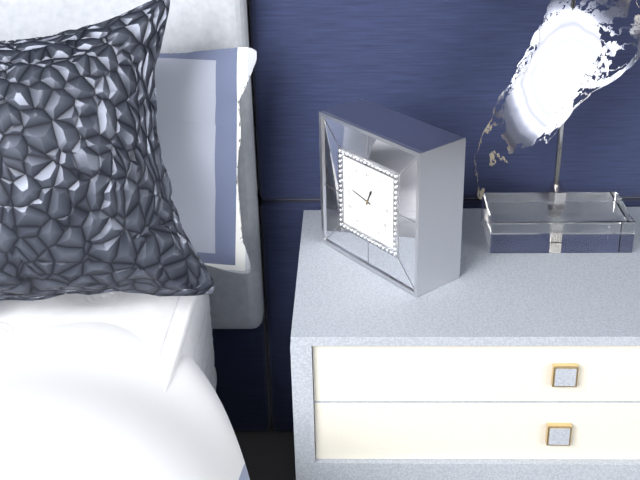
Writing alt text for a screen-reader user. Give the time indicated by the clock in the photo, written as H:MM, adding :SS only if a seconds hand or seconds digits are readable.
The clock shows 12:47
